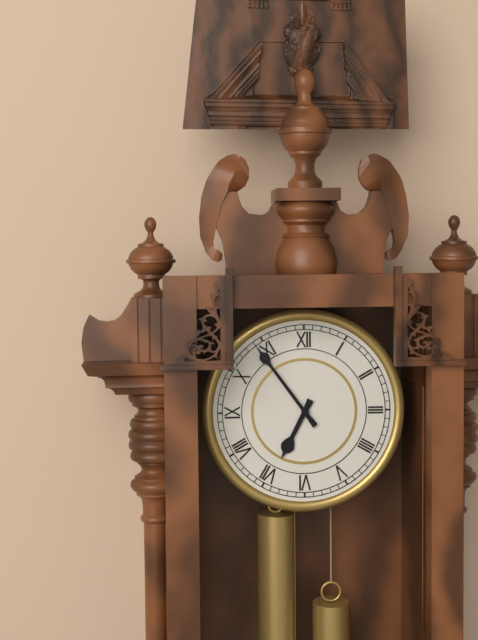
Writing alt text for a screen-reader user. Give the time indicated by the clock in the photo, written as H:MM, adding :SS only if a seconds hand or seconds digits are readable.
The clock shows 6:54
